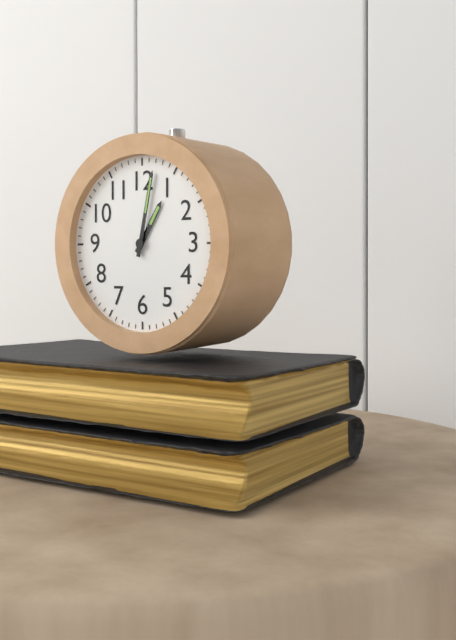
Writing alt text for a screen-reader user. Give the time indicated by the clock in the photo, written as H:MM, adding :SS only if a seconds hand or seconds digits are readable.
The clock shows 1:02
